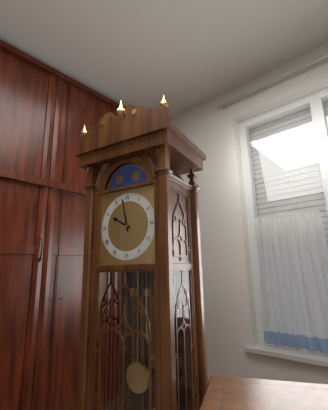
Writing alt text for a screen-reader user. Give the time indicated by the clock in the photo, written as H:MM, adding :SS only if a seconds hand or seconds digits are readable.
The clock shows 9:58
